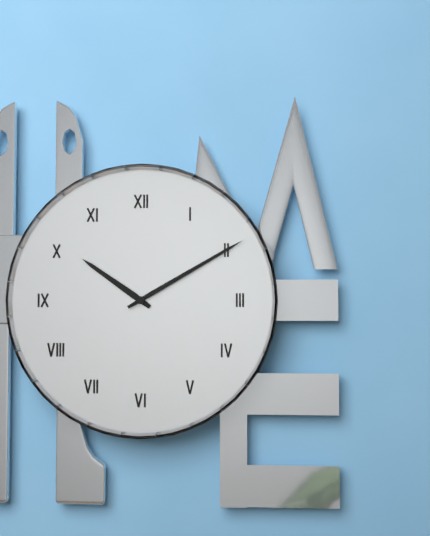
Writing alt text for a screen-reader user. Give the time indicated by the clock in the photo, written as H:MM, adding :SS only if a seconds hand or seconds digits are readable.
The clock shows 10:10
